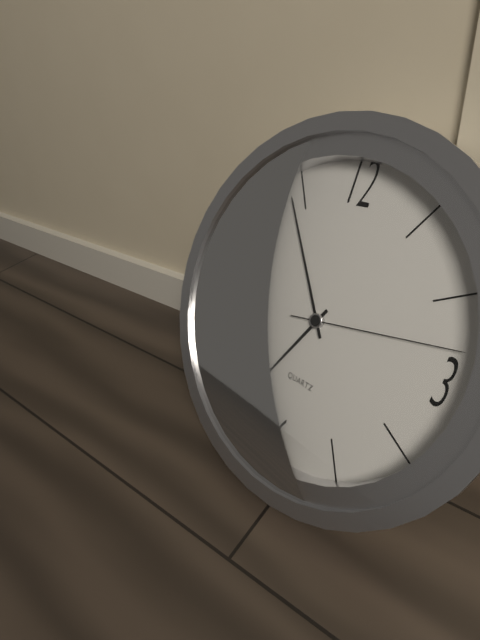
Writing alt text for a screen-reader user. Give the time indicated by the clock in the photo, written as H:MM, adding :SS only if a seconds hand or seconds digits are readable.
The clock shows 6:54:13
